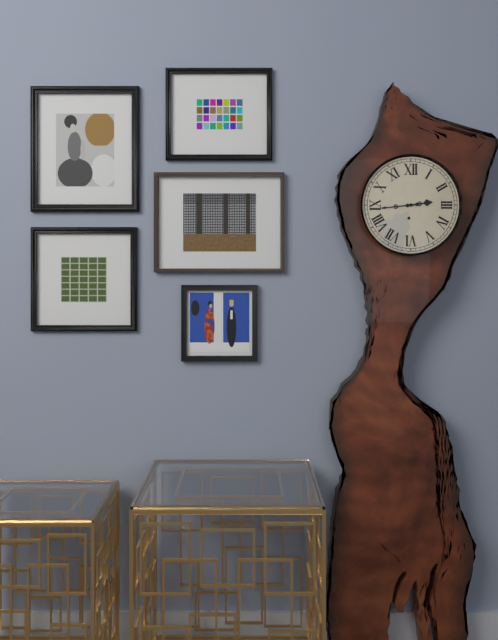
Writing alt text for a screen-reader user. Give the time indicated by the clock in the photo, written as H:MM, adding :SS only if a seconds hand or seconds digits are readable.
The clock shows 2:44
